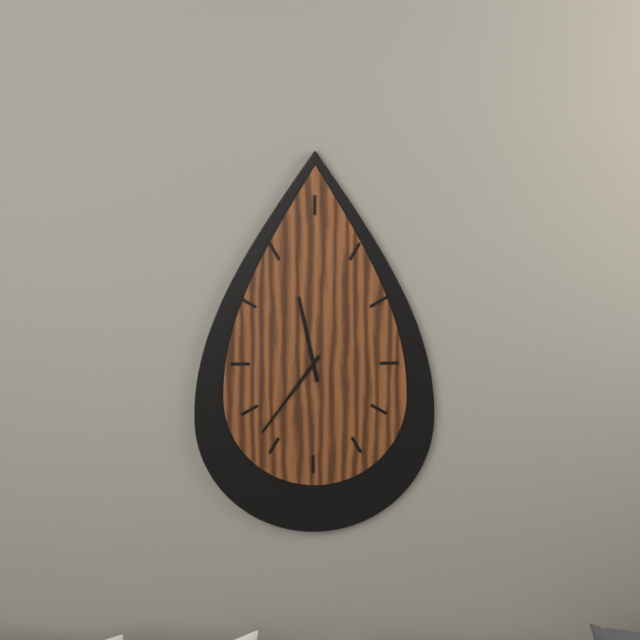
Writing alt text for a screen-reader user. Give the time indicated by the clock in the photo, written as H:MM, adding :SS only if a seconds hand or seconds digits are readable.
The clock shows 11:36
